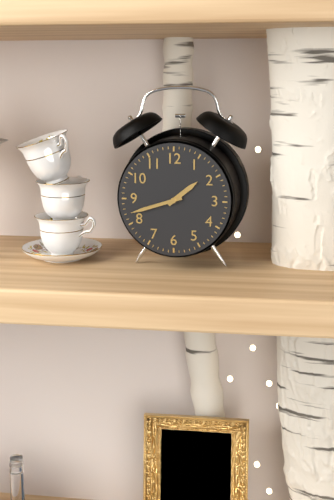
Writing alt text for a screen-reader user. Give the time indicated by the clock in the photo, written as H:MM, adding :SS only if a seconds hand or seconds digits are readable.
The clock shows 1:42
